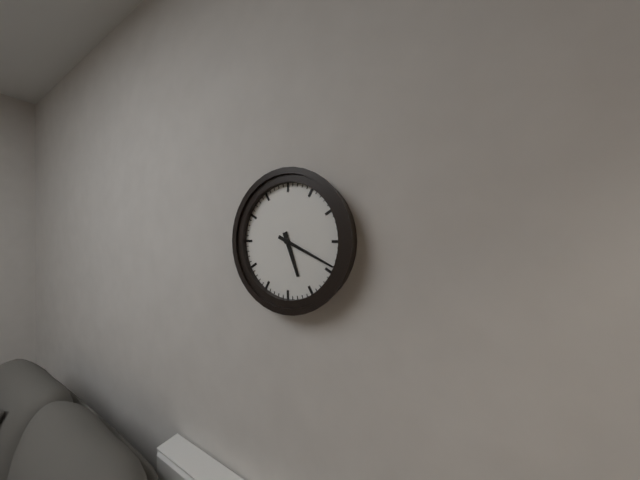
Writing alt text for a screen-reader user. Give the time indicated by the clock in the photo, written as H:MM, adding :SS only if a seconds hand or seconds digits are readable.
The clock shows 5:19
